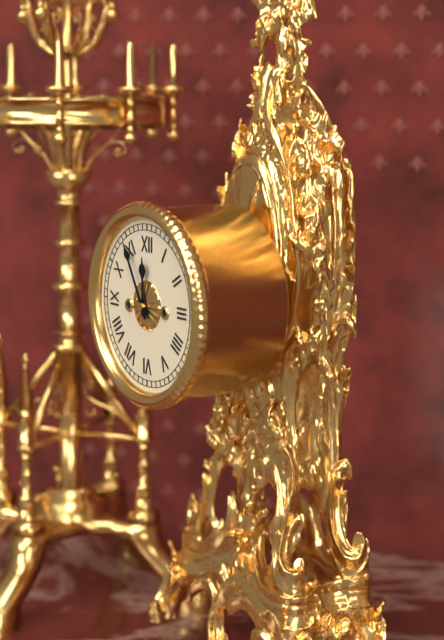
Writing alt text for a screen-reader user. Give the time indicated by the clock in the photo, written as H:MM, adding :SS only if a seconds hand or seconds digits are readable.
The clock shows 11:55
